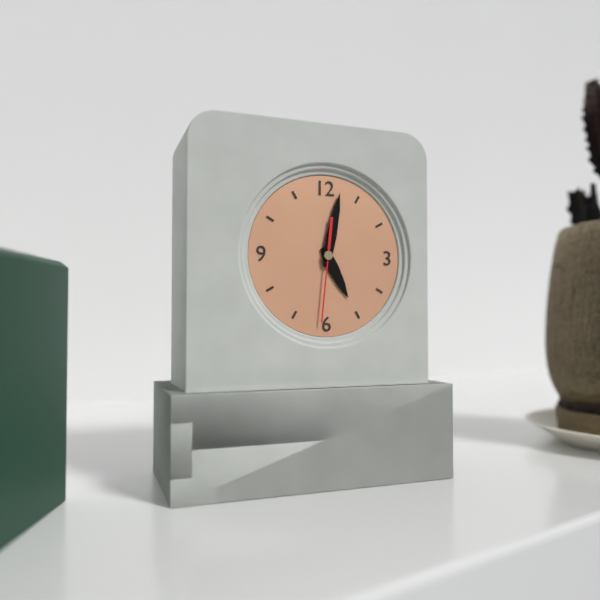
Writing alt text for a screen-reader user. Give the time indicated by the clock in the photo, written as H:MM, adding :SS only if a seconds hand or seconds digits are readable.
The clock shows 5:02:31
